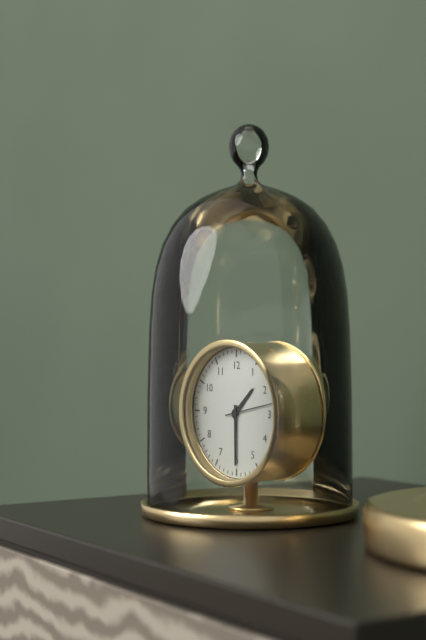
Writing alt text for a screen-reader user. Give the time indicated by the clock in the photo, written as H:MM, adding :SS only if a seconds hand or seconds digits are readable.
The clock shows 1:30
